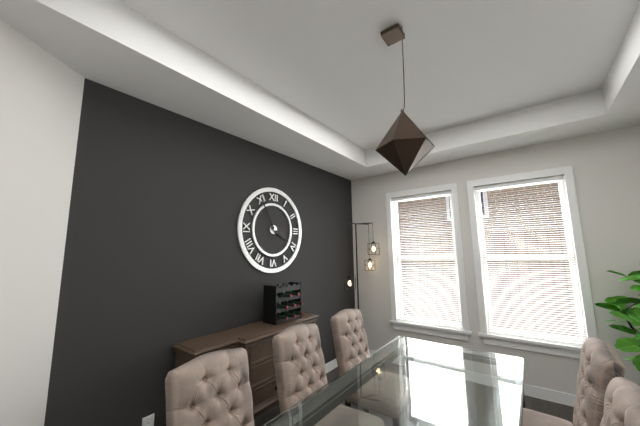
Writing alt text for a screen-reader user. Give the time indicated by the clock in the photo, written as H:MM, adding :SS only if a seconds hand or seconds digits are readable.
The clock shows 3:55
